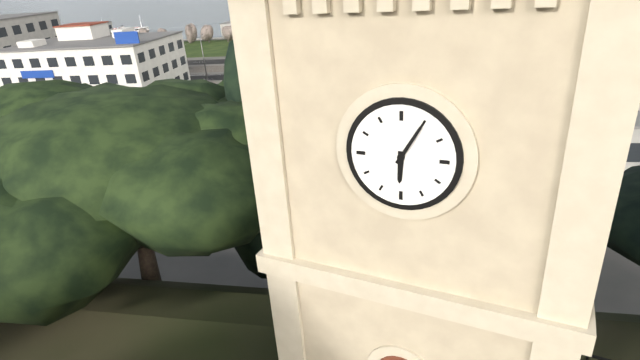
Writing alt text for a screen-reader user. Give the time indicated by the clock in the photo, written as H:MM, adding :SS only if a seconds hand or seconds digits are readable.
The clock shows 6:05
